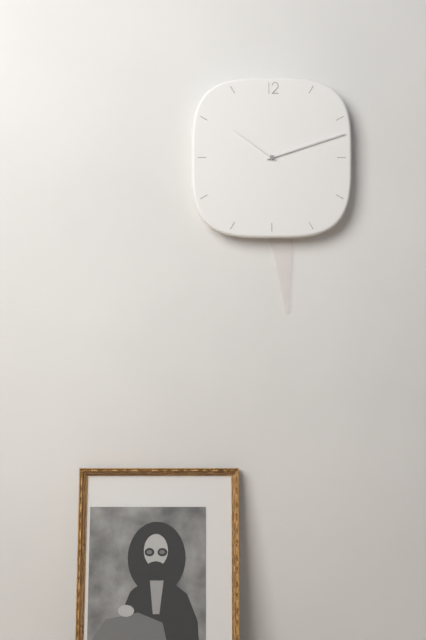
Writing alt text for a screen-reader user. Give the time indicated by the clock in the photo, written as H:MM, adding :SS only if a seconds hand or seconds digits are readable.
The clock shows 10:12
